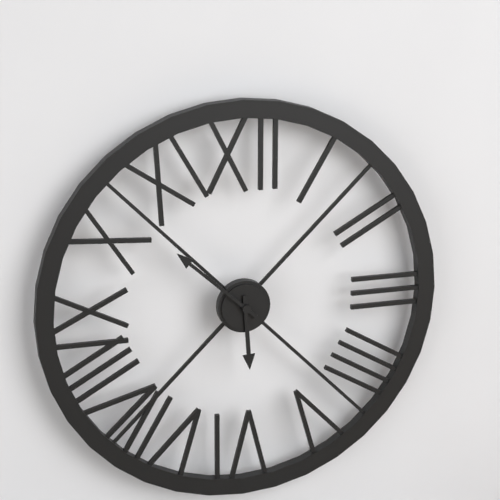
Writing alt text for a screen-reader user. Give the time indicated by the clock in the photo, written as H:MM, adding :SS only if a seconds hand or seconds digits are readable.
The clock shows 5:52
